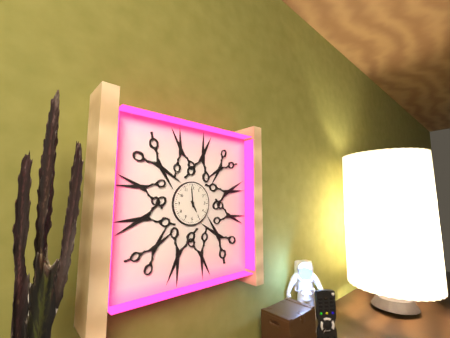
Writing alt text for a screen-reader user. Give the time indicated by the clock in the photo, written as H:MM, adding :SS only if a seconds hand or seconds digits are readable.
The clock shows 4:59
